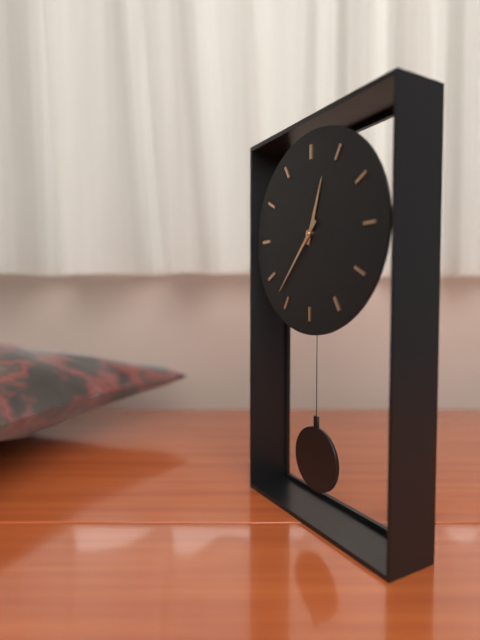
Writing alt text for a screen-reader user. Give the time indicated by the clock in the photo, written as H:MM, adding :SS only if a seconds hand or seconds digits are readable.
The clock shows 12:37
